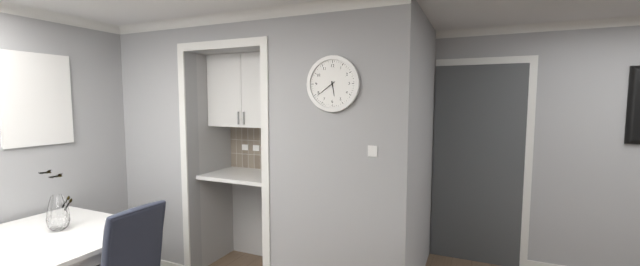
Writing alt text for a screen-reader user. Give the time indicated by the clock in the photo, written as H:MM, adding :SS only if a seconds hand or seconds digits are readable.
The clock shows 5:39
